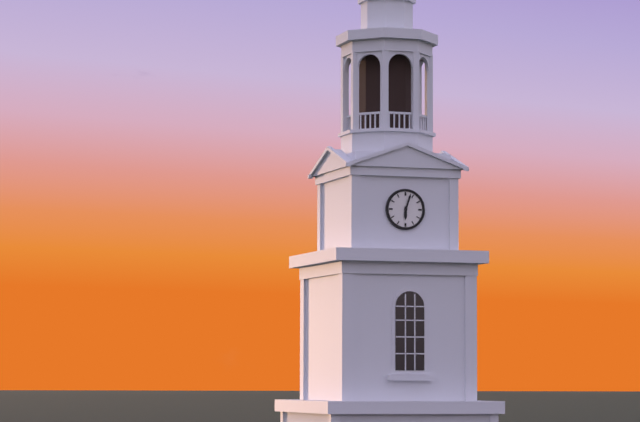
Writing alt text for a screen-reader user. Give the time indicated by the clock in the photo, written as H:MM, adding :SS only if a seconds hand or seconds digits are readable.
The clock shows 6:03
